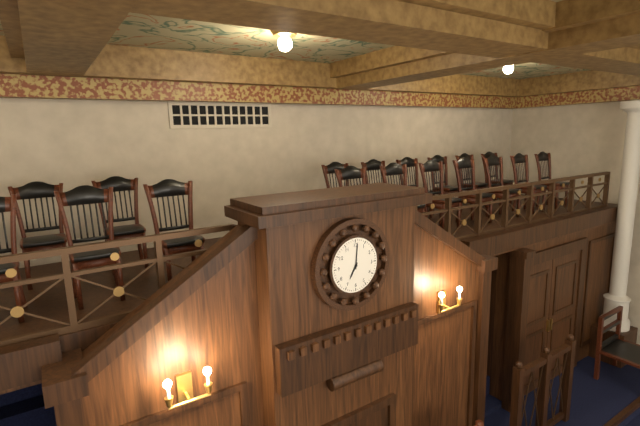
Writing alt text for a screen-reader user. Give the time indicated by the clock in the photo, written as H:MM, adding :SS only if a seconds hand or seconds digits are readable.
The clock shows 7:01
